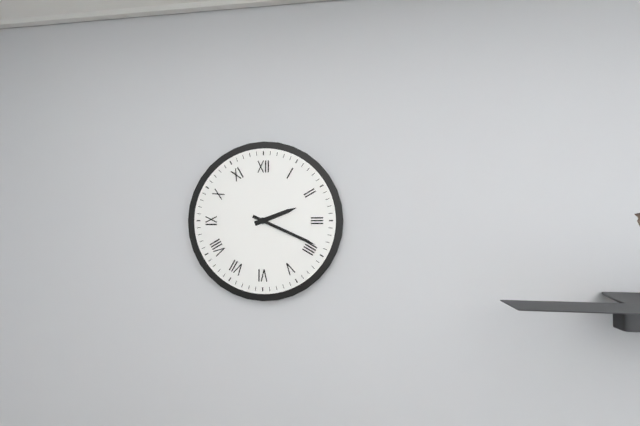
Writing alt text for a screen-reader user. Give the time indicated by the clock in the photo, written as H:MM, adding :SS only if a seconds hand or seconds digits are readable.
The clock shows 2:19
